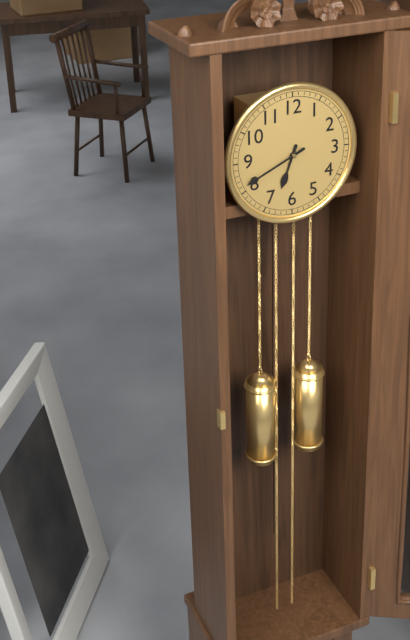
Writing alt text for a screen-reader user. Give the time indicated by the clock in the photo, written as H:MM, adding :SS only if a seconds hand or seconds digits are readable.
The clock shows 6:41
